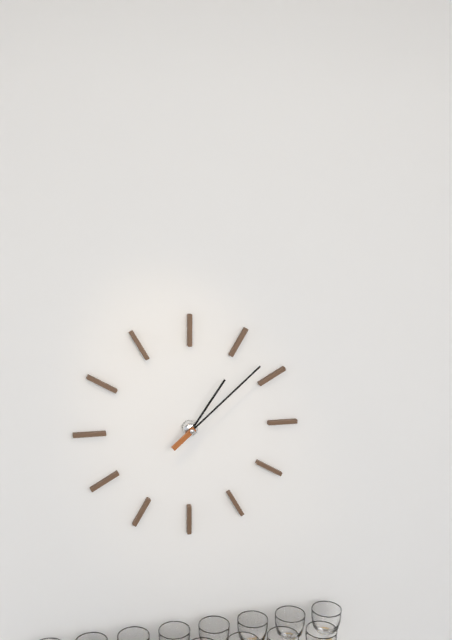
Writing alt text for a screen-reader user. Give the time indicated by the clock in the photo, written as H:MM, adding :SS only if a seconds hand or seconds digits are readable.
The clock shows 1:08
